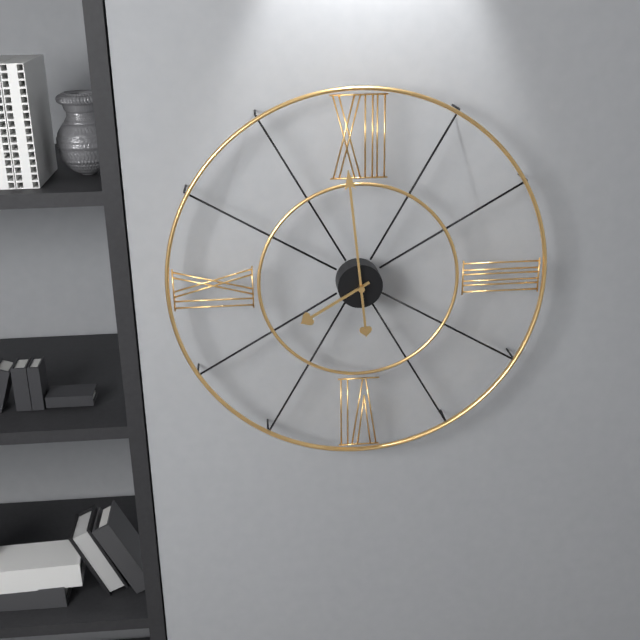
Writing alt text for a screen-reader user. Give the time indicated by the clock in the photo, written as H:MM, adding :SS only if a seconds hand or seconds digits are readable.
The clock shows 7:59
